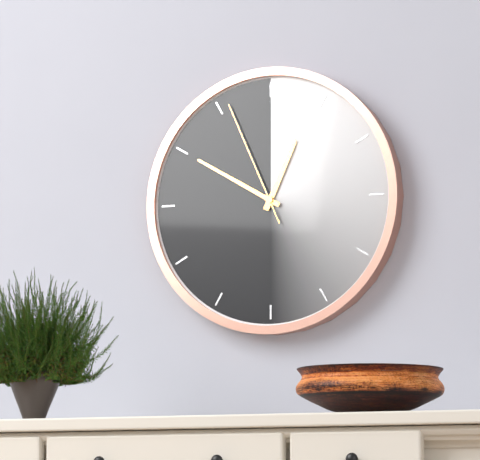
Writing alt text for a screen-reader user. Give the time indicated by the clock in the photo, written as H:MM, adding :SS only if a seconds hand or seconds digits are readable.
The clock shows 12:50:56
